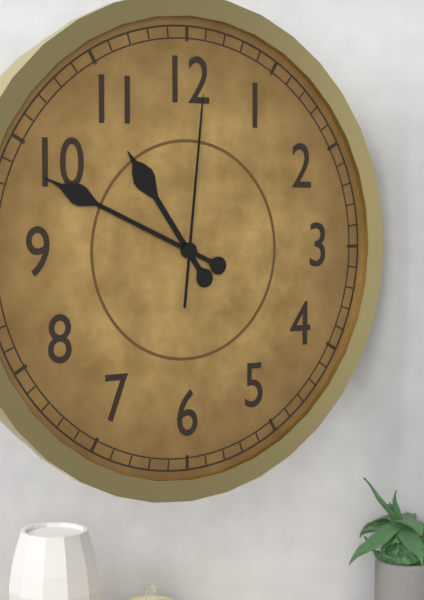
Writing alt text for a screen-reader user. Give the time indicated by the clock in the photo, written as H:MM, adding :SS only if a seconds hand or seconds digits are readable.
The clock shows 10:49:01
